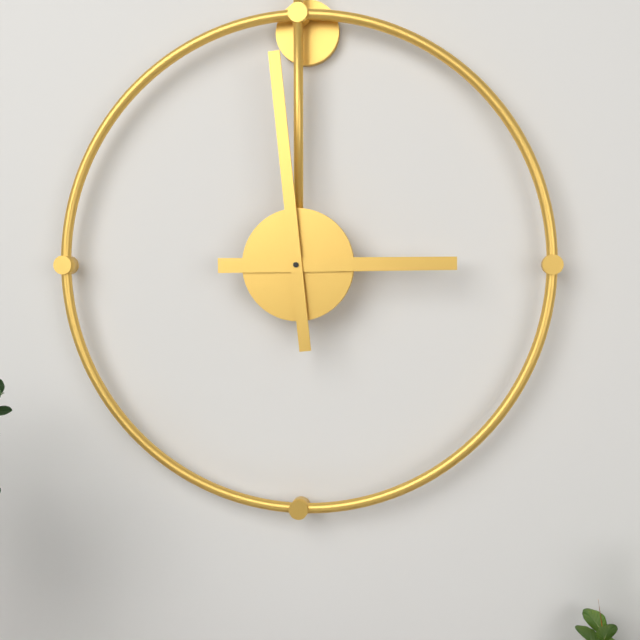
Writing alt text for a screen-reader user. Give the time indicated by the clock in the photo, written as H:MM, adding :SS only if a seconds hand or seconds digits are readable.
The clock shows 2:59
